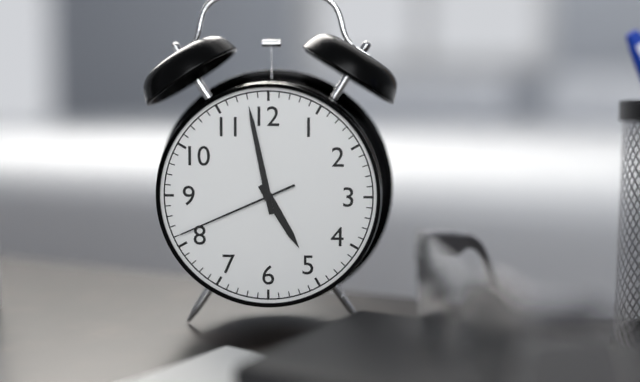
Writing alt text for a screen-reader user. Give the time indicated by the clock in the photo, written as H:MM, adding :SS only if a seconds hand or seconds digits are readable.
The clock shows 4:58:41
